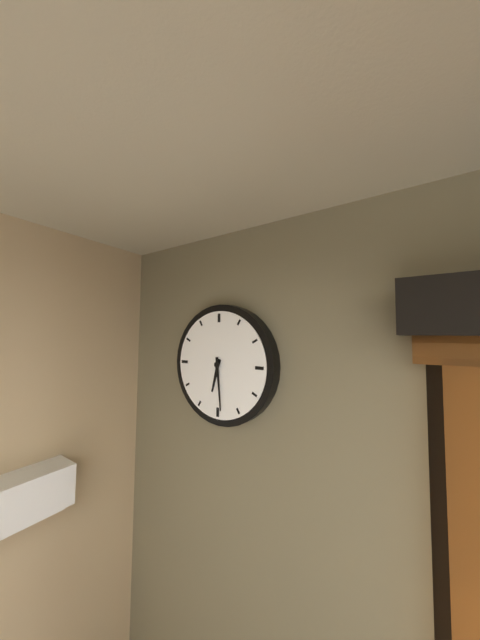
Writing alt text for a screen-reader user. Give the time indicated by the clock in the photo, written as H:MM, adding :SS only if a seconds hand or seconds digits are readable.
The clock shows 6:29
